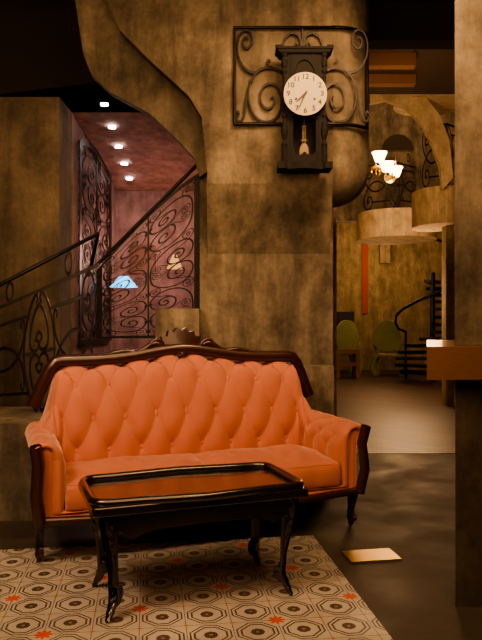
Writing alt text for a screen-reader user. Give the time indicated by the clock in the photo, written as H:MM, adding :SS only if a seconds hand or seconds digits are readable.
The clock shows 7:34
